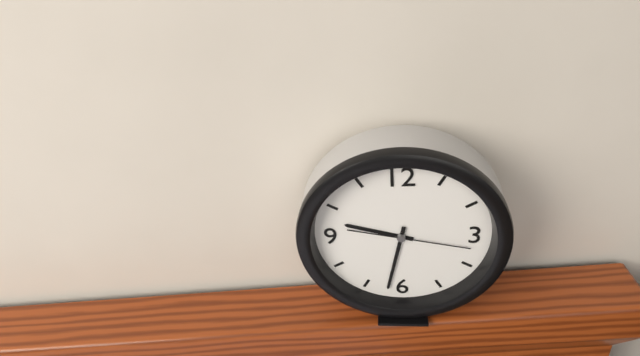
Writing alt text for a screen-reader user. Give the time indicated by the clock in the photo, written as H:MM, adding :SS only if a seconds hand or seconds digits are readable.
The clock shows 9:32:17
